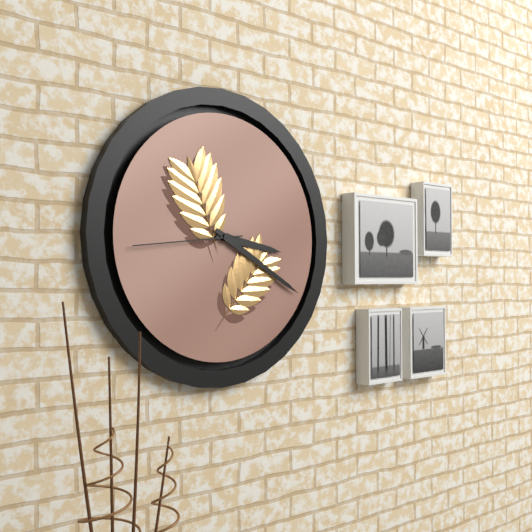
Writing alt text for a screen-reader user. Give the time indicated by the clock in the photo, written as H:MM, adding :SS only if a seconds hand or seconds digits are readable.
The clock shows 3:20:44
